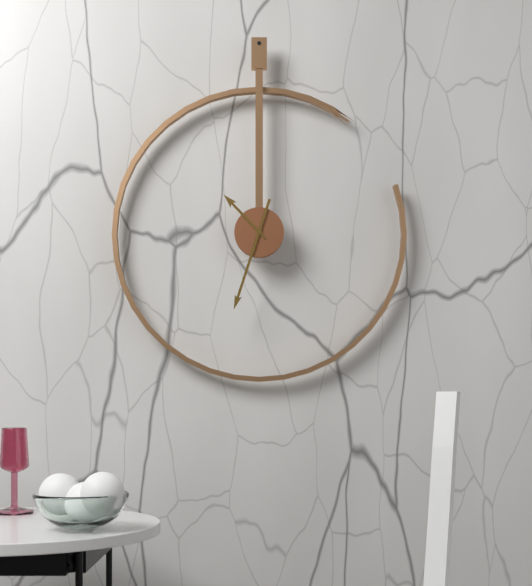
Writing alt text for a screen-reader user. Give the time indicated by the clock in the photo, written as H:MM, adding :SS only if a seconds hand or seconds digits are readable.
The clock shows 10:33
